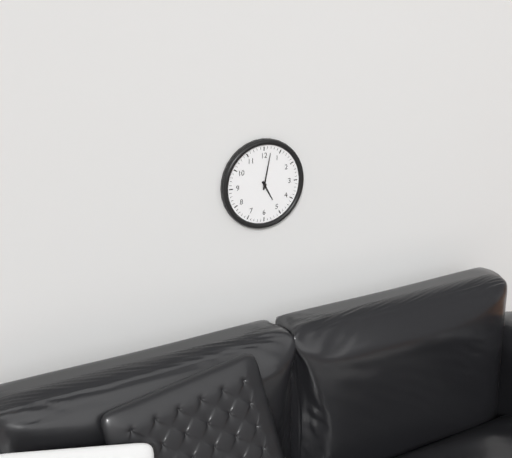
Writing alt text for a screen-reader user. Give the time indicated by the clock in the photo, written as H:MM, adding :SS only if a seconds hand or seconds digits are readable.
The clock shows 5:02
